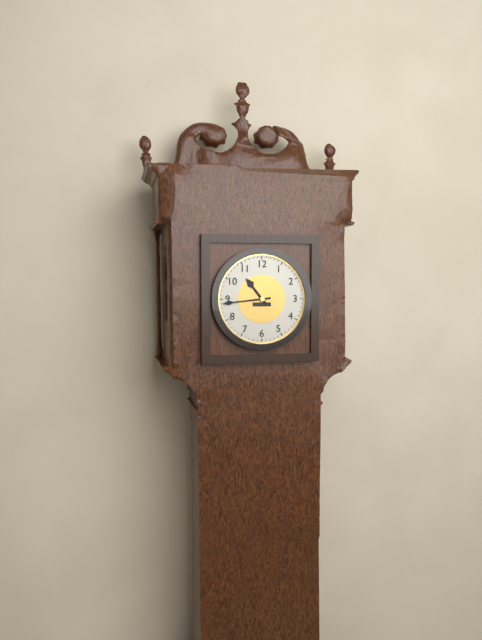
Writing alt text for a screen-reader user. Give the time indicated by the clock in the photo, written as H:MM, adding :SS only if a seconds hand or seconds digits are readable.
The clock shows 10:44
